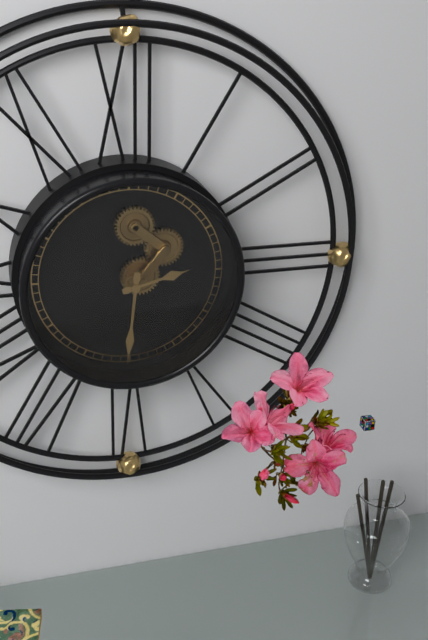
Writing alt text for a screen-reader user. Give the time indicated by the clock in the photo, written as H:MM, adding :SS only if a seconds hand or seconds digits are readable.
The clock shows 2:31
